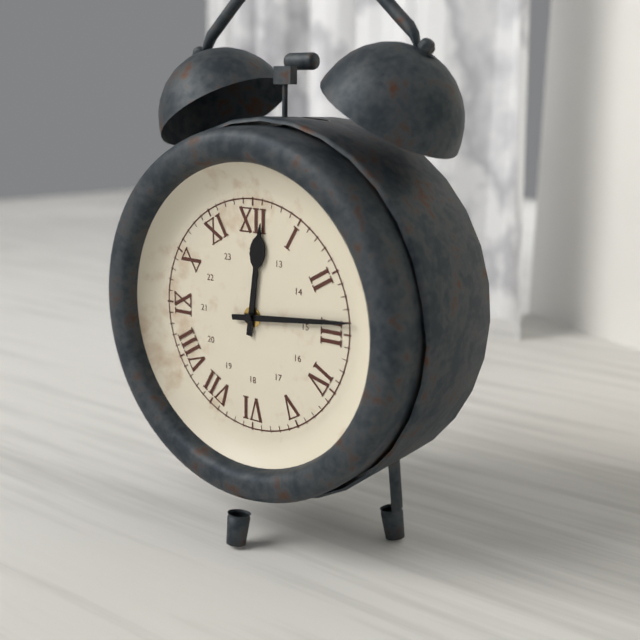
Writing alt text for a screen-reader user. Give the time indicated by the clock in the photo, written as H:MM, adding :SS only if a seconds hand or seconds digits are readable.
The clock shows 12:14
